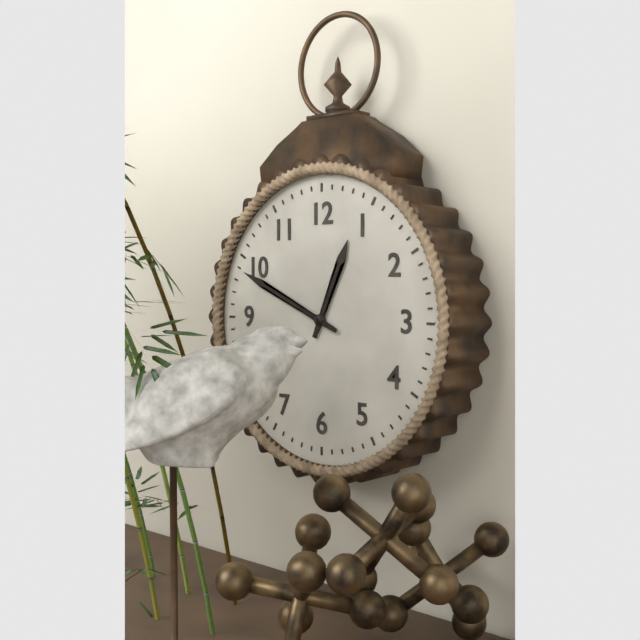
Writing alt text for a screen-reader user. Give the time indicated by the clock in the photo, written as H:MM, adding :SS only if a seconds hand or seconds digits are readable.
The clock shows 12:49
